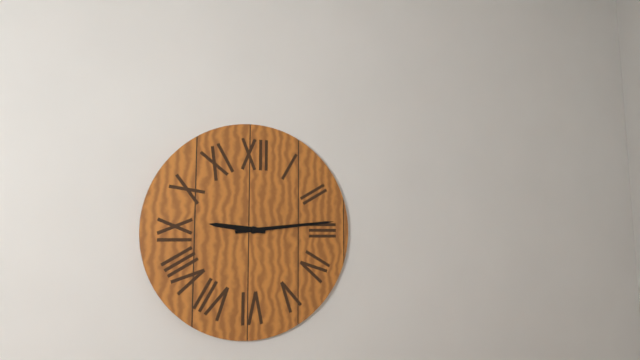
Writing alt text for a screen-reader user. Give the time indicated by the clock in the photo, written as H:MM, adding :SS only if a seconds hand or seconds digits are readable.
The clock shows 9:14
